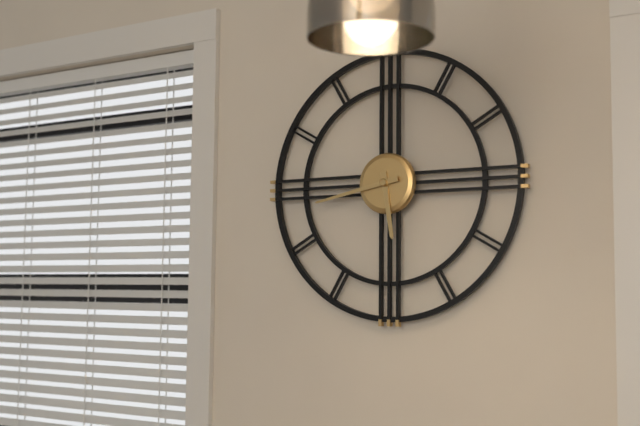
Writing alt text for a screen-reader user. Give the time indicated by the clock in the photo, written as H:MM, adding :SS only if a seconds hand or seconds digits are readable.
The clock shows 5:43
